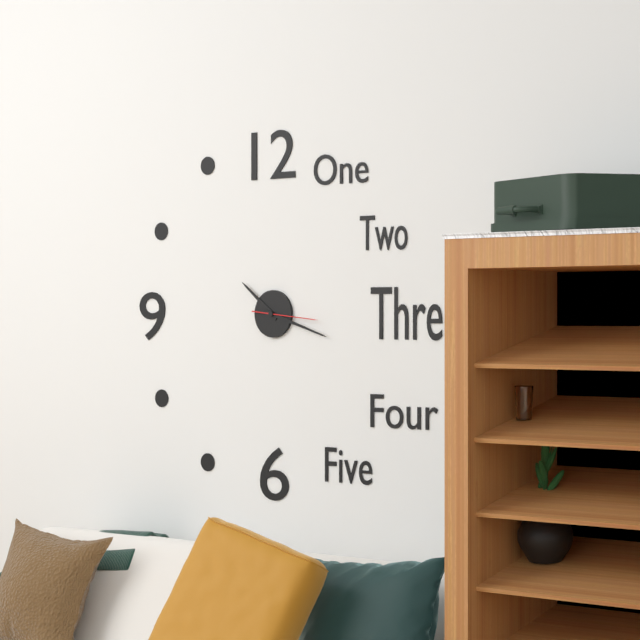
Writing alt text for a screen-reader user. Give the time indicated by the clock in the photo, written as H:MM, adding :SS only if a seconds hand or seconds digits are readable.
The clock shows 10:18:16
